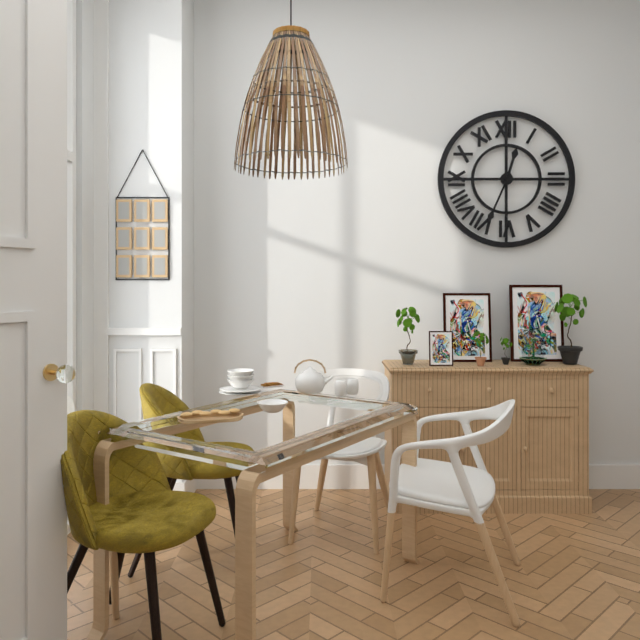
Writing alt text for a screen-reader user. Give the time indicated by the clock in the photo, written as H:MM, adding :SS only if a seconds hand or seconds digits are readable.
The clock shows 12:34
